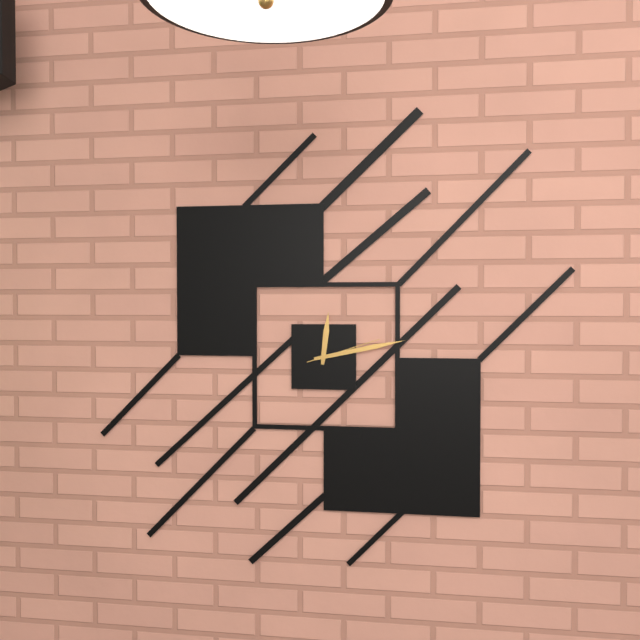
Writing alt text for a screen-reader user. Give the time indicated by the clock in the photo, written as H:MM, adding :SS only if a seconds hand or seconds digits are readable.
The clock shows 12:13:12
